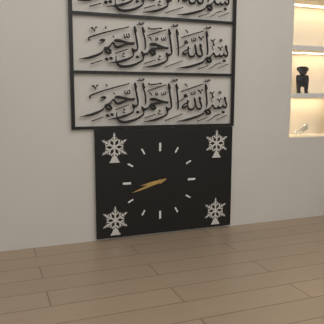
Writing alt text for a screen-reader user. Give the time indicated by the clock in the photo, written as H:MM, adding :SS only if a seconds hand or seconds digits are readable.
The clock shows 8:42
